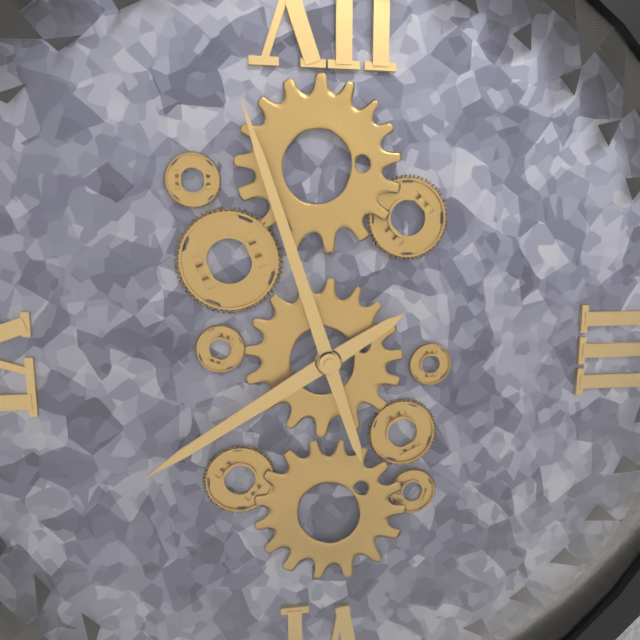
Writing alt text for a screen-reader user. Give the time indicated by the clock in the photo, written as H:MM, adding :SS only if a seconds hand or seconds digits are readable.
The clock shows 7:57
